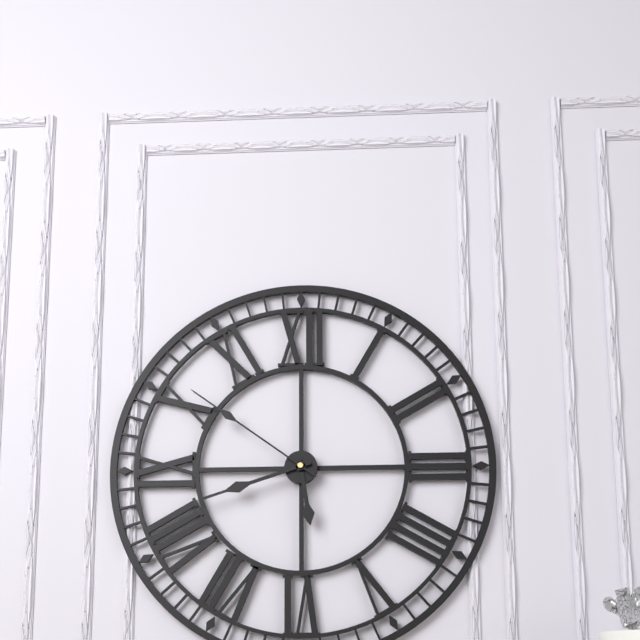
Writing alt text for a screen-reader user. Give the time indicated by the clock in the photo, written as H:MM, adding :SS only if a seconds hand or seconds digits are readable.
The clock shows 5:42:51
